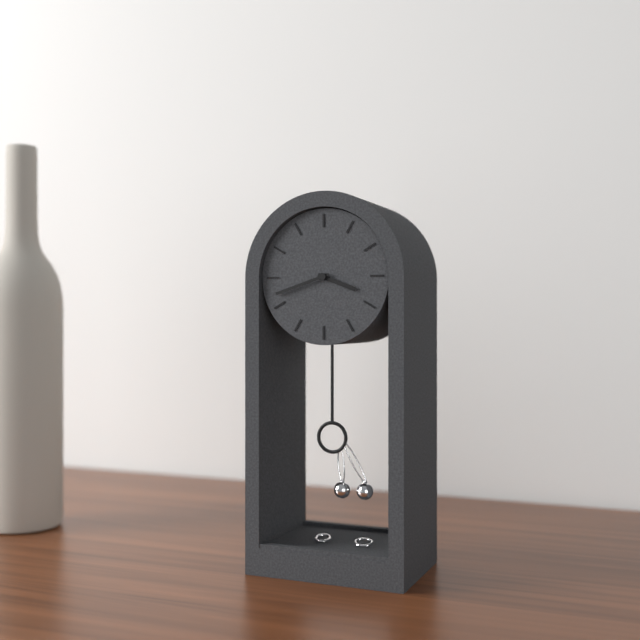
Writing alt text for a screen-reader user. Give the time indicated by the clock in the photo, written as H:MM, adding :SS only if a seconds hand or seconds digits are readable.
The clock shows 3:42
